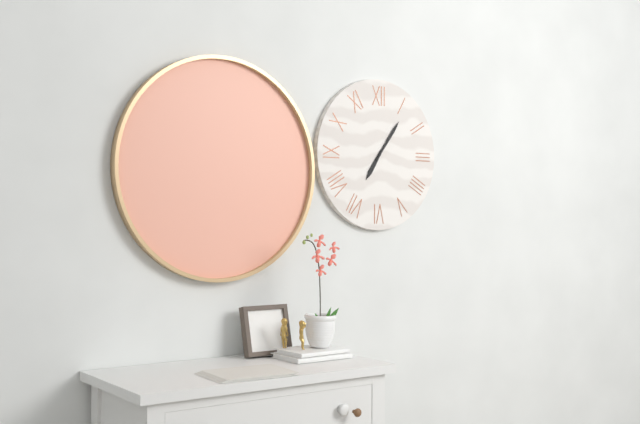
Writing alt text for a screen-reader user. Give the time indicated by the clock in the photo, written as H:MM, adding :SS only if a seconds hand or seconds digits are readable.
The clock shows 7:06
